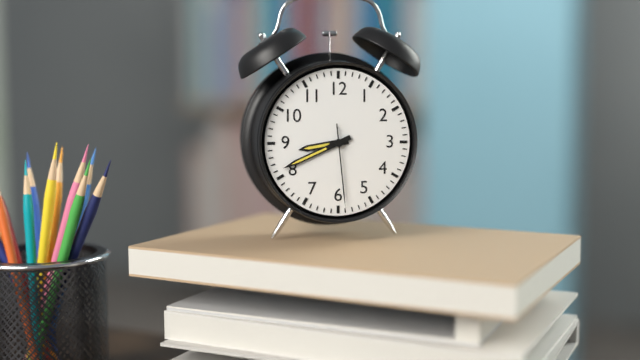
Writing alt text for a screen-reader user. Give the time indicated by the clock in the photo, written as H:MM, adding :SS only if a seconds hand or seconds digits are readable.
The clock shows 8:41:29
